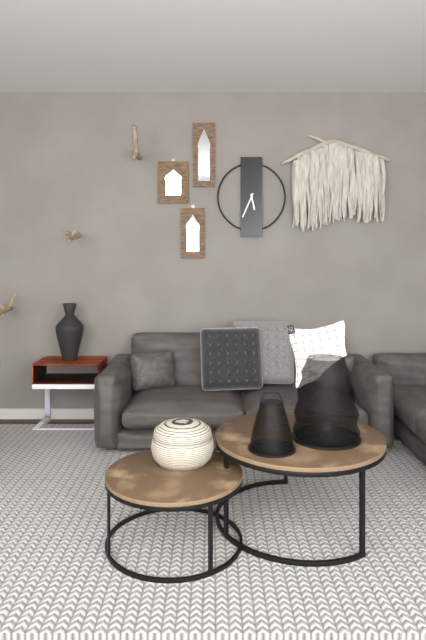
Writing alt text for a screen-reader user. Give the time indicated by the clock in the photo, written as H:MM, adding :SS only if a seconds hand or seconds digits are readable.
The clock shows 5:34
